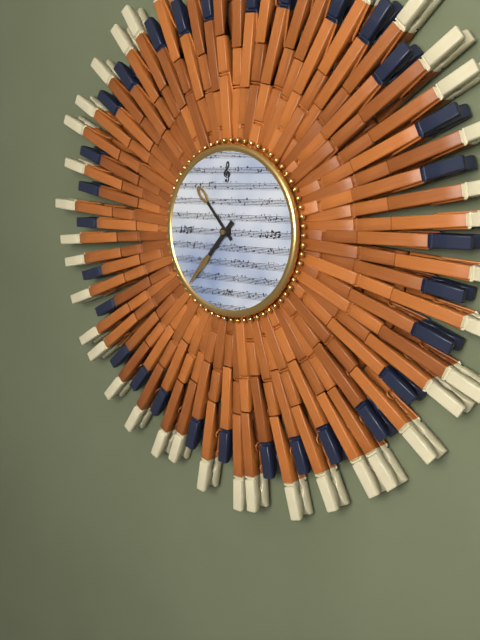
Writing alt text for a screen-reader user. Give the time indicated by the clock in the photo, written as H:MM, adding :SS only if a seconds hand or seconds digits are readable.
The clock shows 10:37
